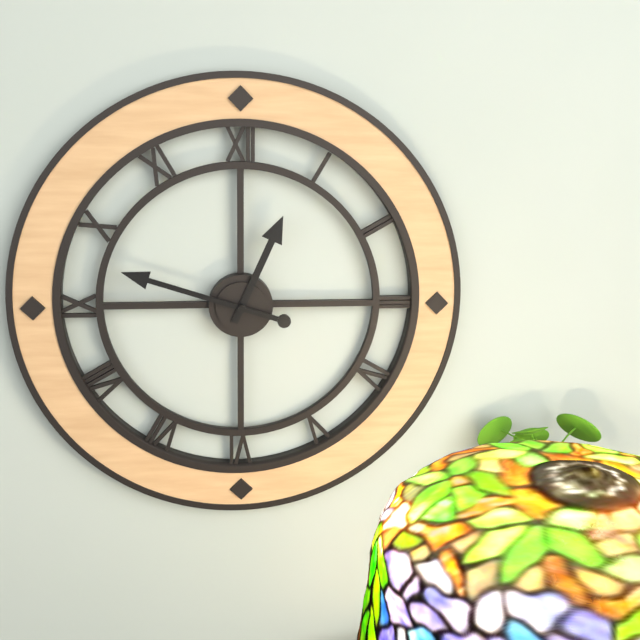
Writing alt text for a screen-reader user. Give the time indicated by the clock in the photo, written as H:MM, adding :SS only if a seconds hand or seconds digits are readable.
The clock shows 12:48
